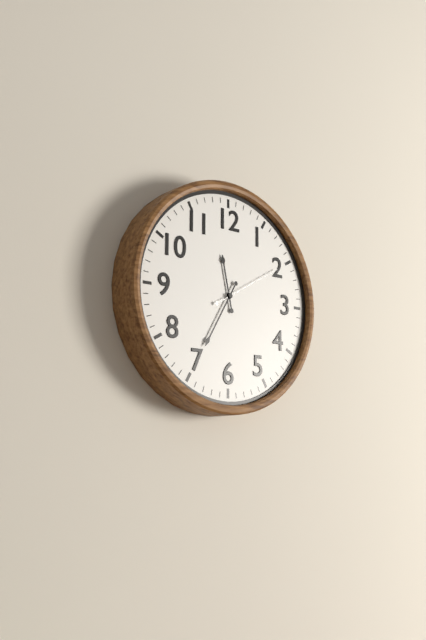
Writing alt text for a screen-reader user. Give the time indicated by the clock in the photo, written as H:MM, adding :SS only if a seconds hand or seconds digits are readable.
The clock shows 11:35:10
